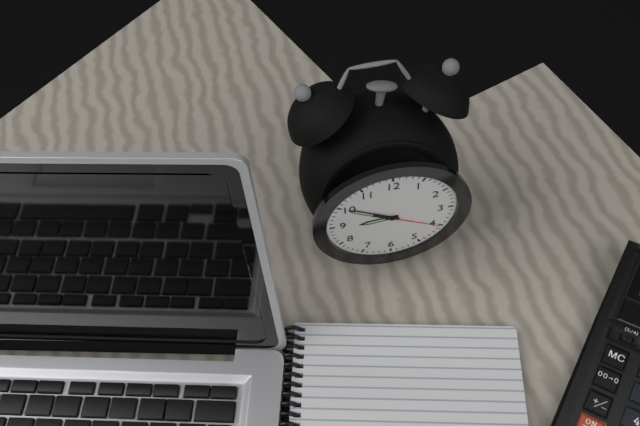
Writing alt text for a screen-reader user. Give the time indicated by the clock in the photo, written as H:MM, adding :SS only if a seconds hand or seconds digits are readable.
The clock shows 8:50:20
